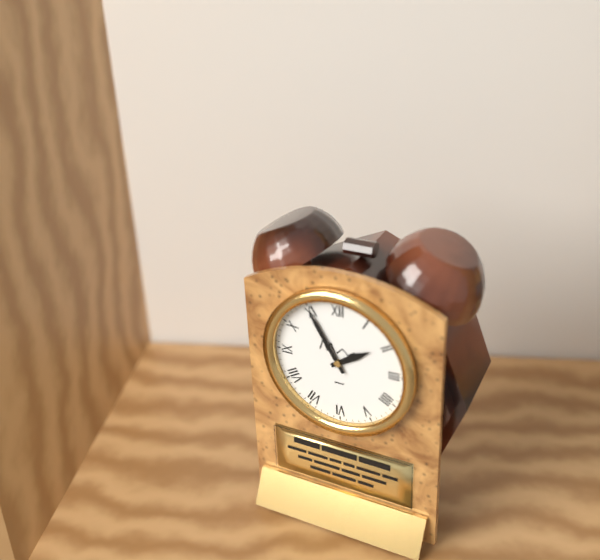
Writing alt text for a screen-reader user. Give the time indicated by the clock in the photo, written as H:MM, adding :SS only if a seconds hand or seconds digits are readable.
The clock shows 1:55
